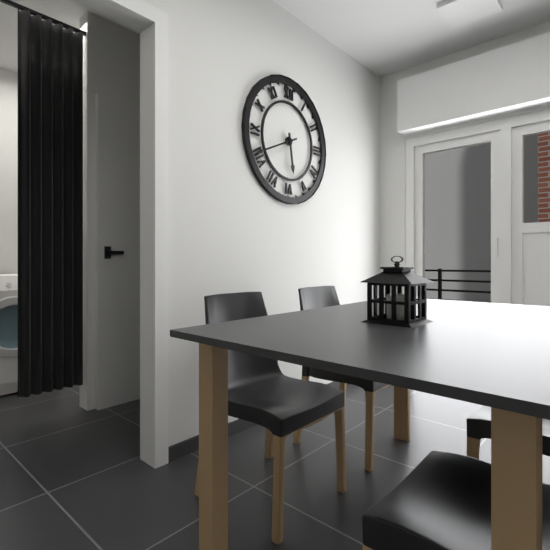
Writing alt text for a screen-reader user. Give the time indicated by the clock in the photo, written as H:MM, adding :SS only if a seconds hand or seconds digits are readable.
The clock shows 5:41
